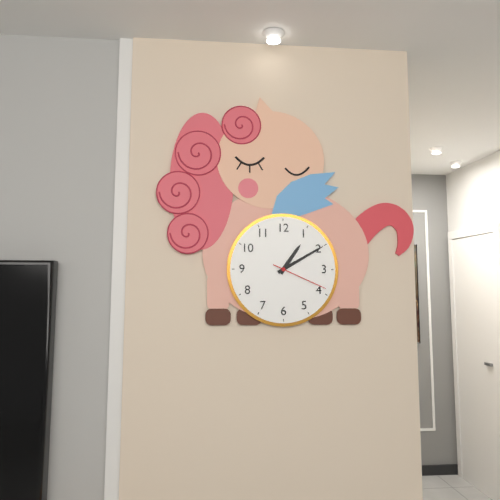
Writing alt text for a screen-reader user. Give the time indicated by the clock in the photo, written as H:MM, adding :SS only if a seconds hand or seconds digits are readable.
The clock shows 1:10:19
